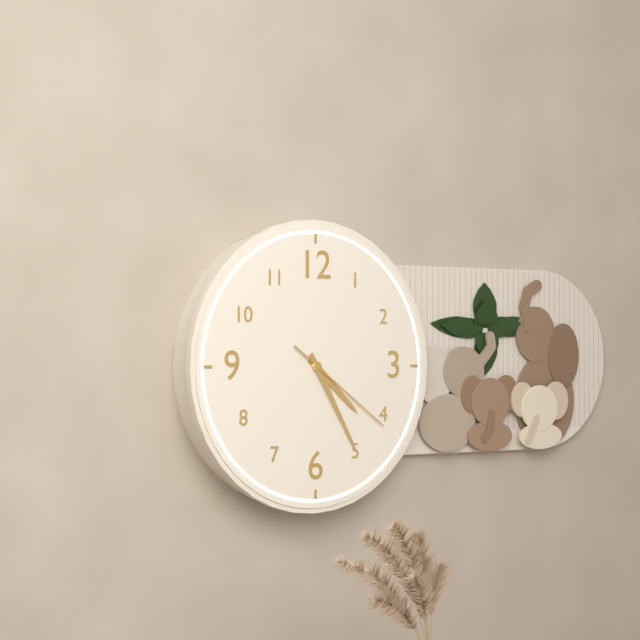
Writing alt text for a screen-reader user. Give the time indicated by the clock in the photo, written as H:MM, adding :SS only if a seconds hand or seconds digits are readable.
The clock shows 4:25:21
